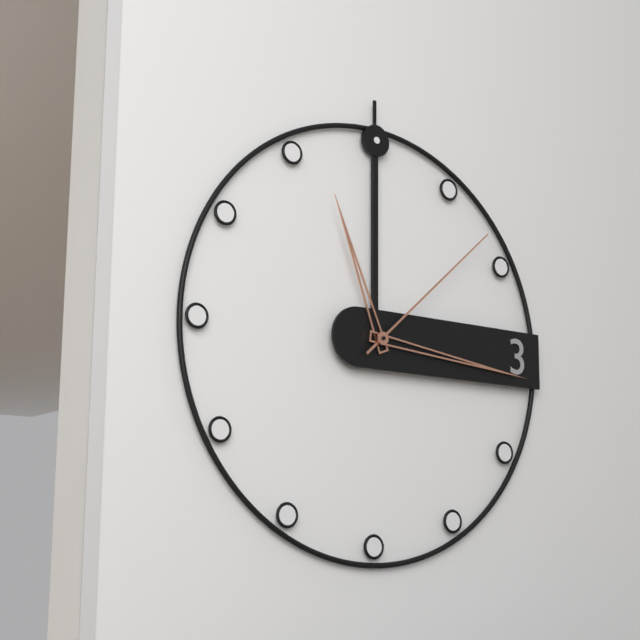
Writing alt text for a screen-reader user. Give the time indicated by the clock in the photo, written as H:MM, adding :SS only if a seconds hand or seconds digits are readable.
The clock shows 11:16:08
